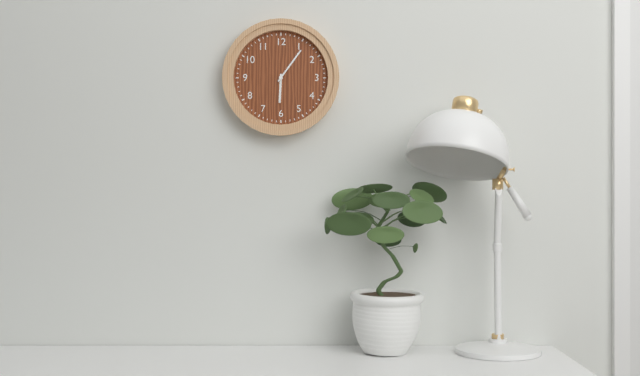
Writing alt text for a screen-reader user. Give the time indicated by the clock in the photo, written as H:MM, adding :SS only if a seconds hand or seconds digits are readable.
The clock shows 6:06
